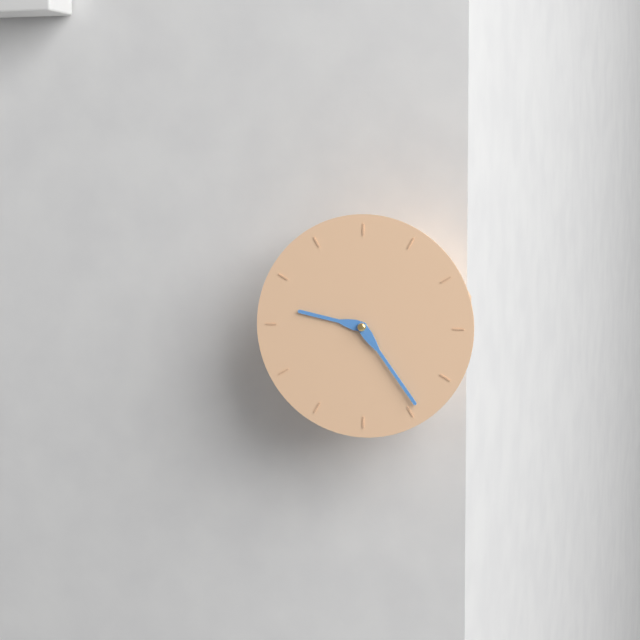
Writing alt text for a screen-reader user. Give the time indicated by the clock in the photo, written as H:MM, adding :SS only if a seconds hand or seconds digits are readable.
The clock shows 9:24
